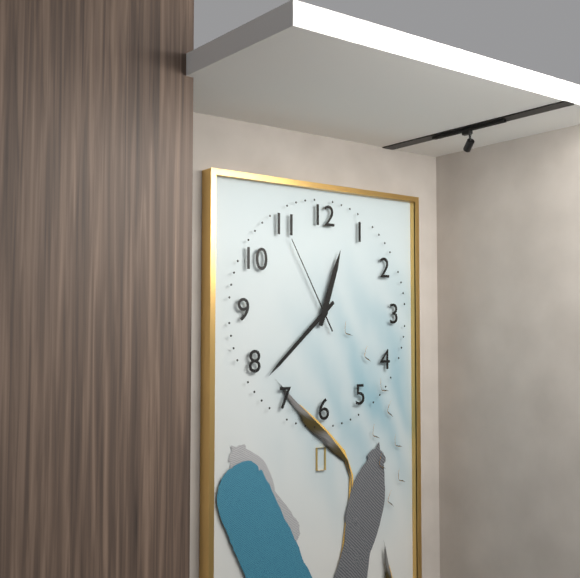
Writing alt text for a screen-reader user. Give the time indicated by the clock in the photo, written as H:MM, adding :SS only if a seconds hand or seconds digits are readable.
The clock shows 12:38:55
